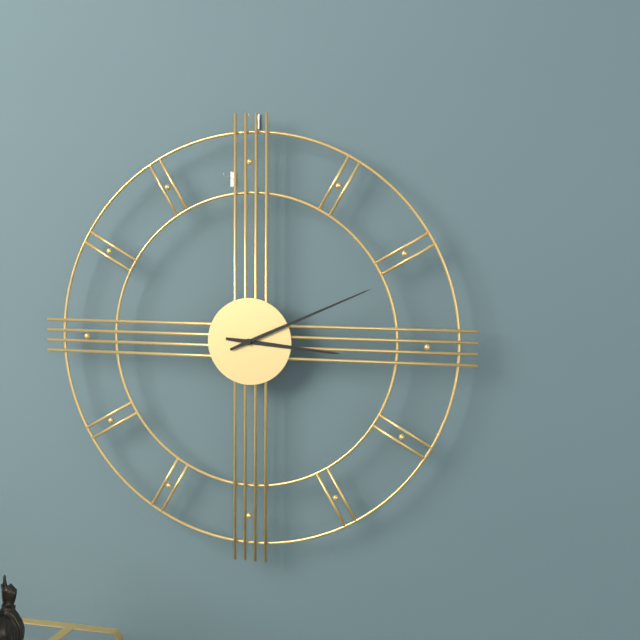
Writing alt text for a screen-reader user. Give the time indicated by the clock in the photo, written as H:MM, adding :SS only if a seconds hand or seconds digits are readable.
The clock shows 3:11
